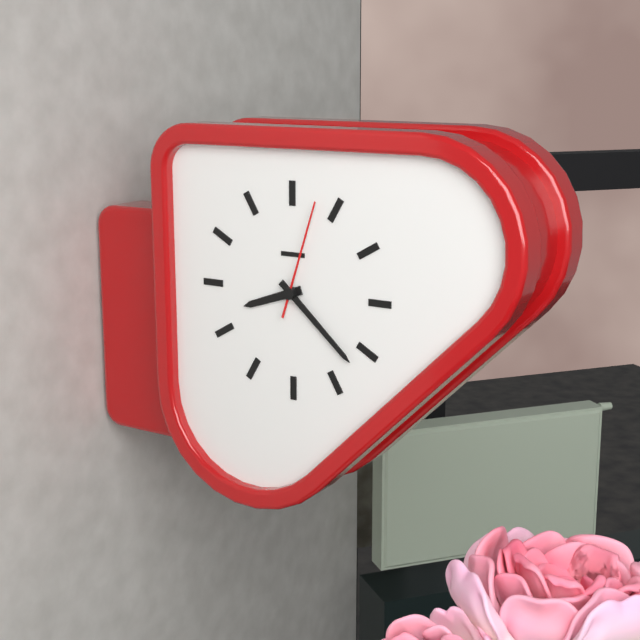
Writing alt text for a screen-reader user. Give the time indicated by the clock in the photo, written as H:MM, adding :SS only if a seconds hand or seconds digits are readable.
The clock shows 8:22:03
